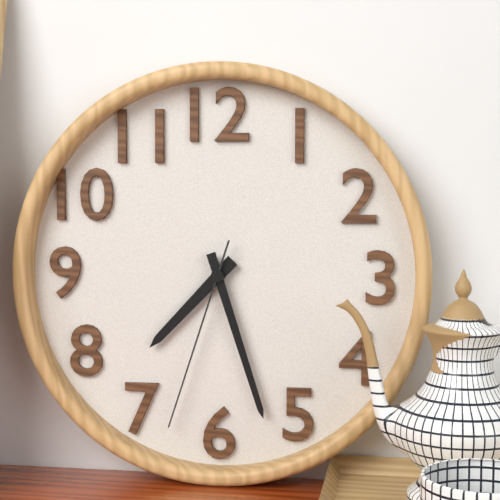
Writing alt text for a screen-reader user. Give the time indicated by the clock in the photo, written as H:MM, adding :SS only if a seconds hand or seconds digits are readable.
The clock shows 7:27:33
